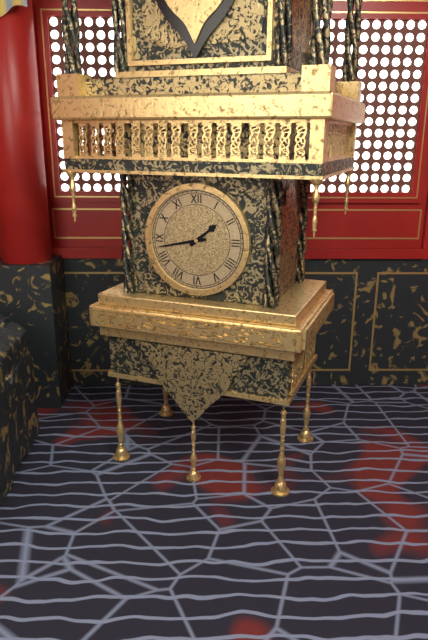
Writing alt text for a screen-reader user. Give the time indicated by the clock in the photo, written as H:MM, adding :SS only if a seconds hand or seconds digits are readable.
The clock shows 1:43
